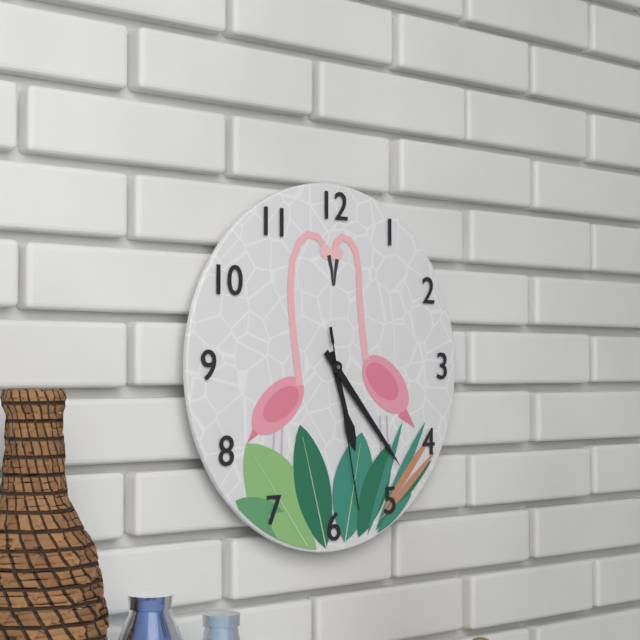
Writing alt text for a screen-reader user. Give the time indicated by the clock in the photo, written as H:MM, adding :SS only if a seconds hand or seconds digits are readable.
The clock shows 5:23:28
